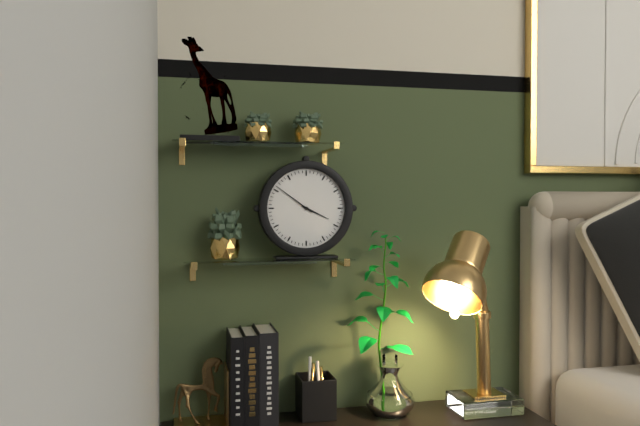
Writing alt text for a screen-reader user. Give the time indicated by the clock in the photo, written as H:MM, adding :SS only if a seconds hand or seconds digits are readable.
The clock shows 3:51
